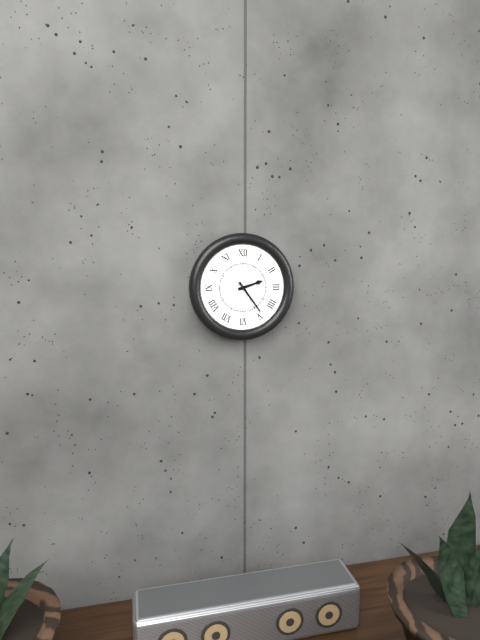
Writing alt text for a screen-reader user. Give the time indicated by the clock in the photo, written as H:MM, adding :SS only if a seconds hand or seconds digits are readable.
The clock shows 2:24
